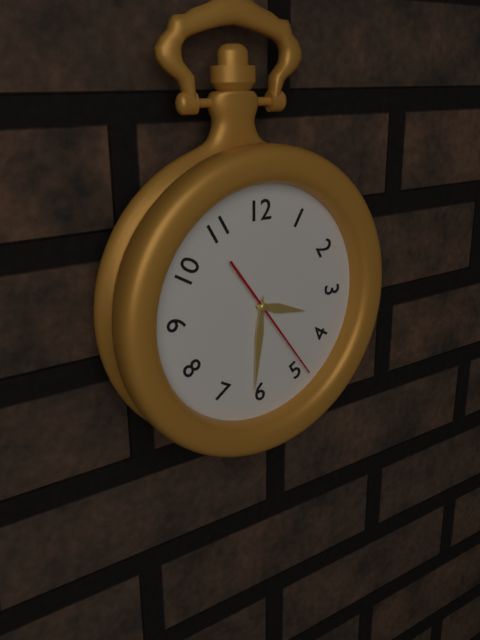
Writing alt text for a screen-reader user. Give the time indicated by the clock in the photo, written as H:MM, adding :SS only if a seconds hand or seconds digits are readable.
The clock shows 3:31:24
